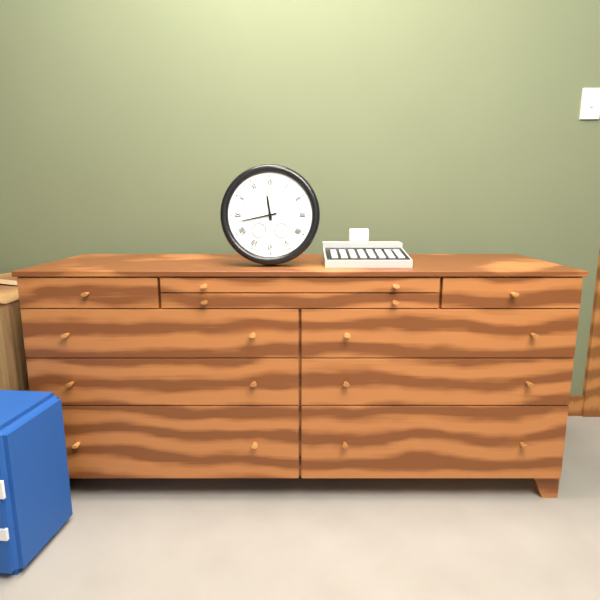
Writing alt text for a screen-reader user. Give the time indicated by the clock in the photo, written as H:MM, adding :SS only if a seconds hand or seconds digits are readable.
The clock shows 11:43
